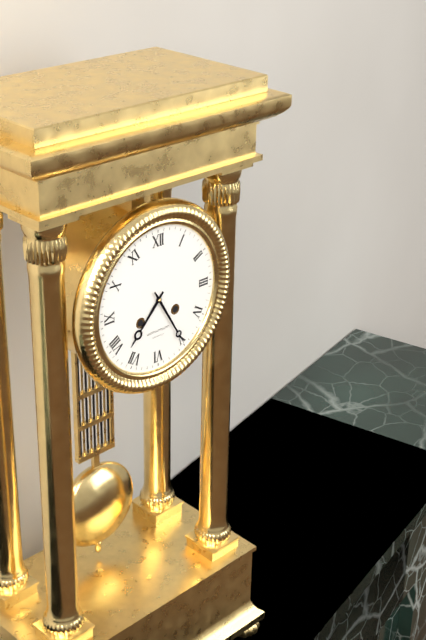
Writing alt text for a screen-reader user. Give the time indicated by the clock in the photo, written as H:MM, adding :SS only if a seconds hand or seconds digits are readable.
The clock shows 7:25
